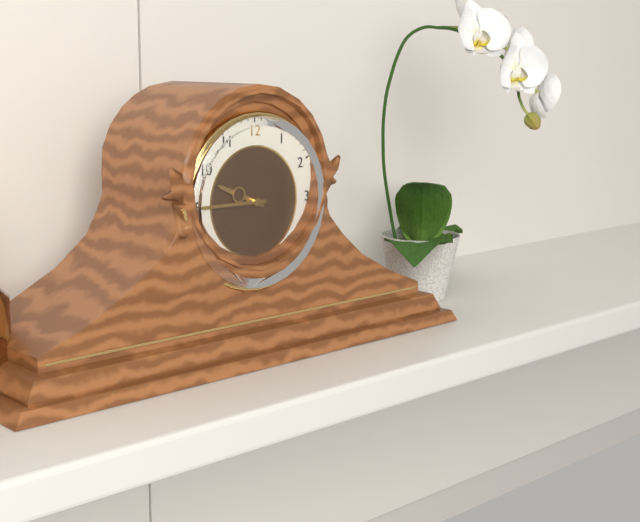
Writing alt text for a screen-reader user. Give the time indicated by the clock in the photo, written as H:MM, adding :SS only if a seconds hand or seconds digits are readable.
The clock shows 9:45
